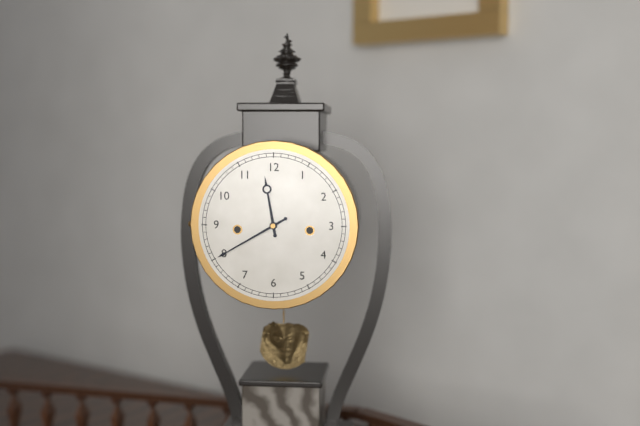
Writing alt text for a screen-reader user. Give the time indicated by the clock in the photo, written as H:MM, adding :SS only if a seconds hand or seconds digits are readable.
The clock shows 11:40
